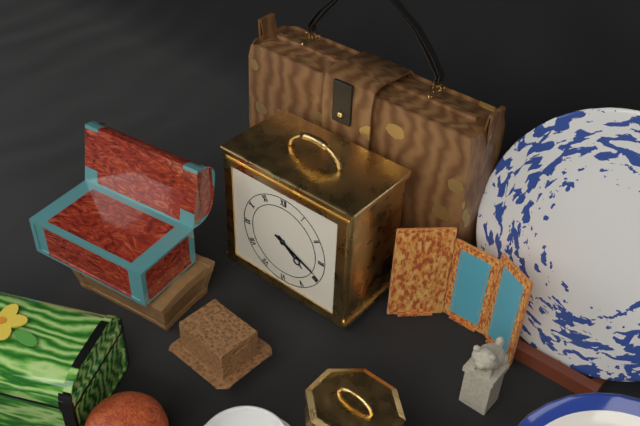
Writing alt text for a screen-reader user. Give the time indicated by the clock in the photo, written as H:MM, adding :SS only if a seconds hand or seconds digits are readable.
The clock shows 4:19
